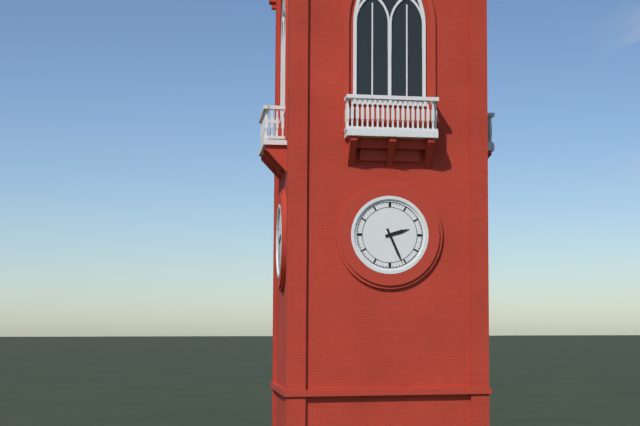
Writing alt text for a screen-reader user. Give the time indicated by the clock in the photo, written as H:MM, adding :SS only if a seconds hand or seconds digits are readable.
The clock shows 2:26
